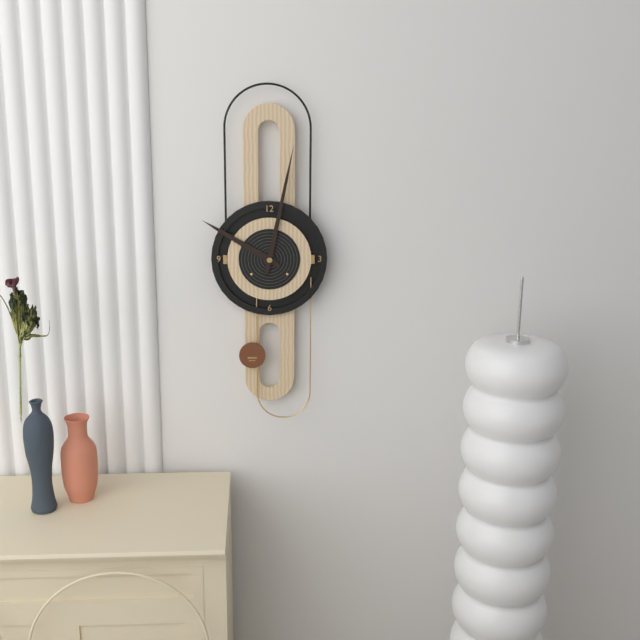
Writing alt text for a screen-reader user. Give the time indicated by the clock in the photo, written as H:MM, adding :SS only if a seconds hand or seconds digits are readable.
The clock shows 10:02
